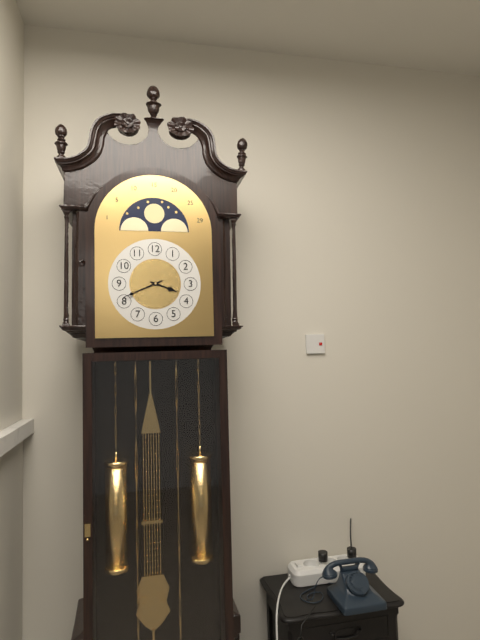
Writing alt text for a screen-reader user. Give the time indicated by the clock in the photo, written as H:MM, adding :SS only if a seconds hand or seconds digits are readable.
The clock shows 3:41
